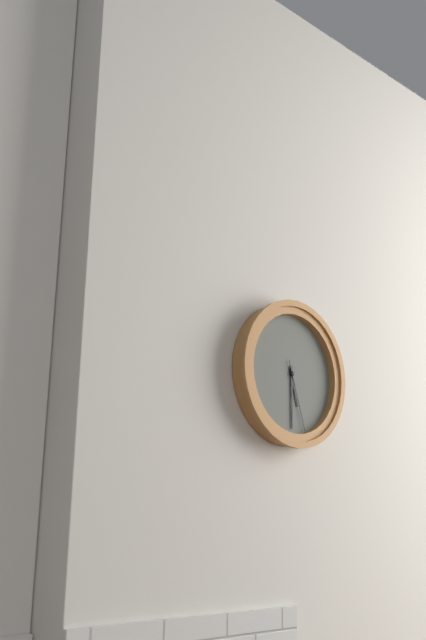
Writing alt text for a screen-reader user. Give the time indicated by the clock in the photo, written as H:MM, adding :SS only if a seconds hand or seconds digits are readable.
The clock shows 5:30:27
